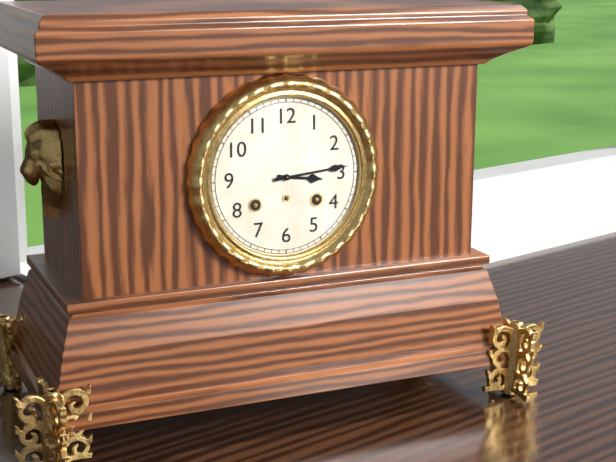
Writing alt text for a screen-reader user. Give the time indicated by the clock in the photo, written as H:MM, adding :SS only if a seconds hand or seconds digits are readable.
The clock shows 3:14
